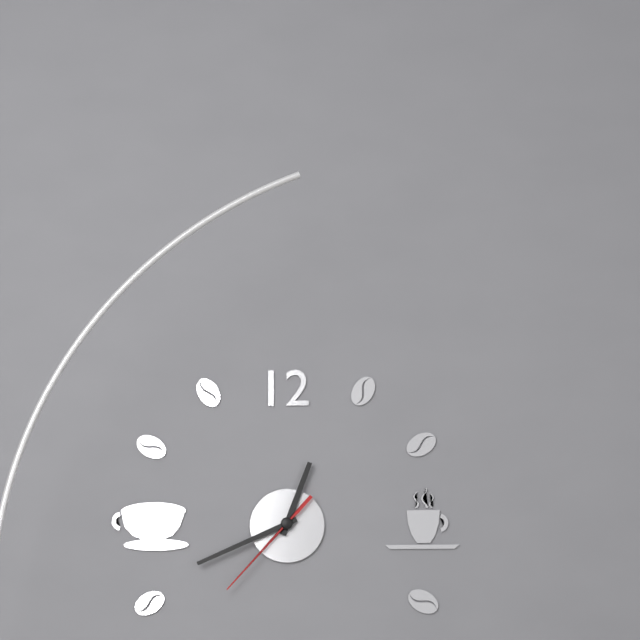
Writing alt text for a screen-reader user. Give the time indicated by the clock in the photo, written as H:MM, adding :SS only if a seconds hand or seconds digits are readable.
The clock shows 12:41:37
